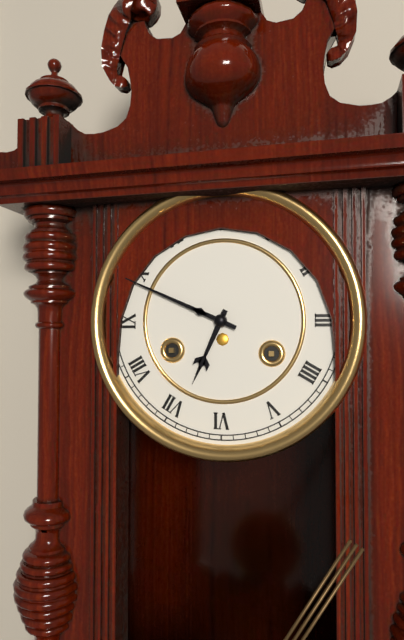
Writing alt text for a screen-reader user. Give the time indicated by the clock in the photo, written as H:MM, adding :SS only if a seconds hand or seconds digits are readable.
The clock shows 6:49
